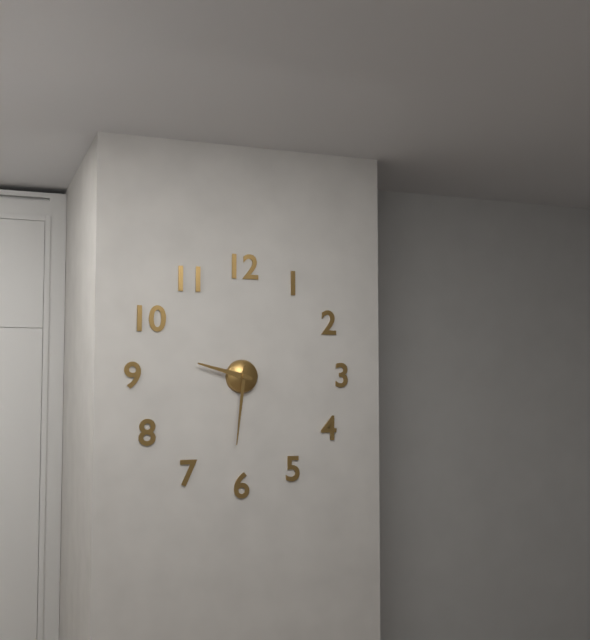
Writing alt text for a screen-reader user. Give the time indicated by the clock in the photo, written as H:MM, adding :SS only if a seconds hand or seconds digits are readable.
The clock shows 9:31
